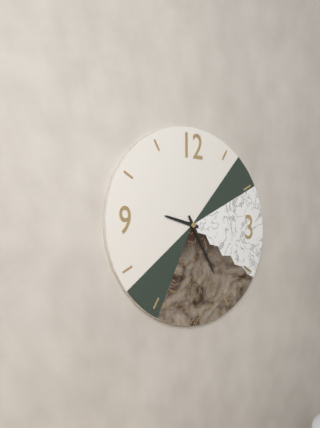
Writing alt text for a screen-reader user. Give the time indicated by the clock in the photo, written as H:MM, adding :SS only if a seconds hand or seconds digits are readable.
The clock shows 9:25
